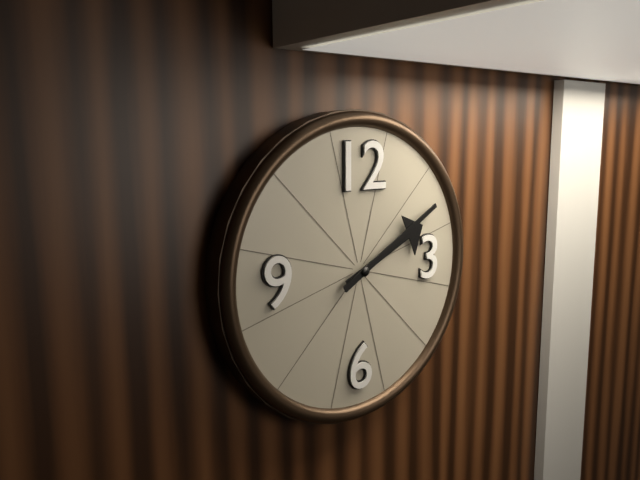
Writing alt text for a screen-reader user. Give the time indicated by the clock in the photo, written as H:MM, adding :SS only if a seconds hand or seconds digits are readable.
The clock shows 2:10
